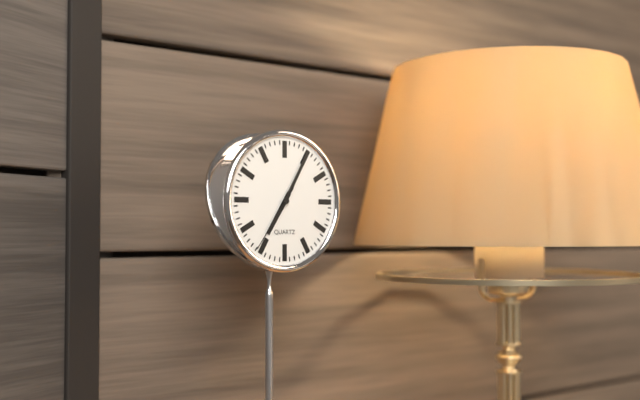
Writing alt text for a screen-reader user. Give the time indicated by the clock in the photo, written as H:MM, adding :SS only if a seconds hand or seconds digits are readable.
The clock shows 7:05:36
